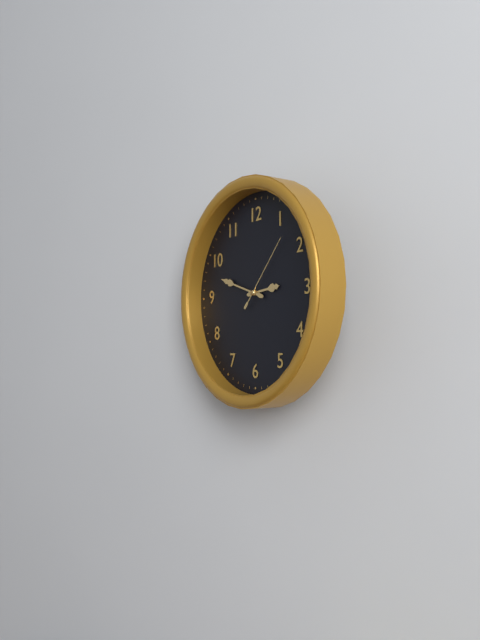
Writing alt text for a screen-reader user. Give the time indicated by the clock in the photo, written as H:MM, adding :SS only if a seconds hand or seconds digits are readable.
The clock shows 2:48:07
